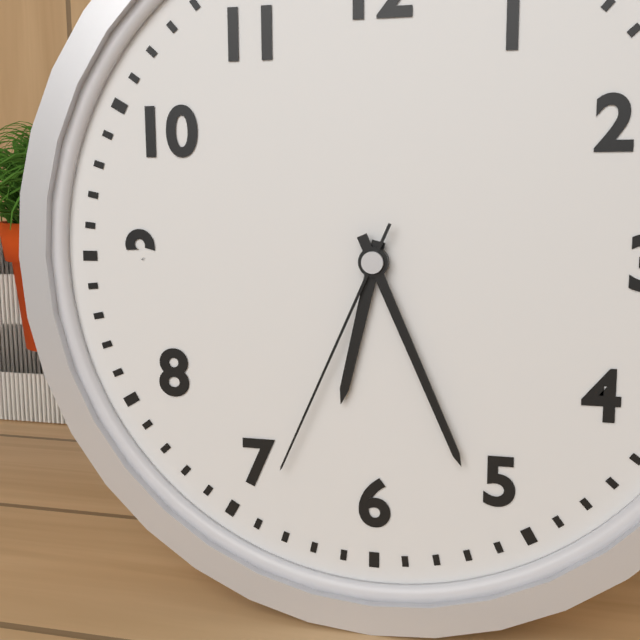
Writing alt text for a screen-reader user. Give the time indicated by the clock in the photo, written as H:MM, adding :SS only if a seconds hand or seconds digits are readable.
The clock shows 6:26:34
